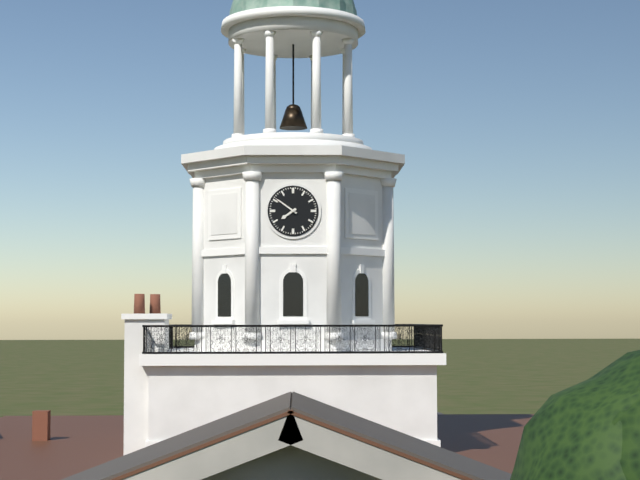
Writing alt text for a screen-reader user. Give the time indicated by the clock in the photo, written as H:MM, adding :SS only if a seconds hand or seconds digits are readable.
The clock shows 7:51
